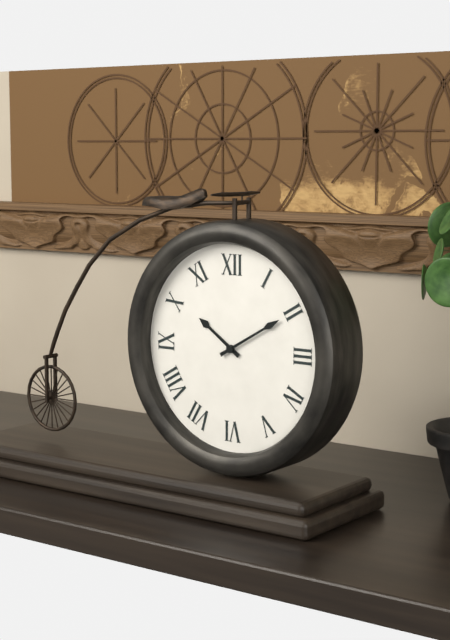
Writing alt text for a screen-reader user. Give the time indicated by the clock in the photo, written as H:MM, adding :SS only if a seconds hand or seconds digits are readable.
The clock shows 10:10
